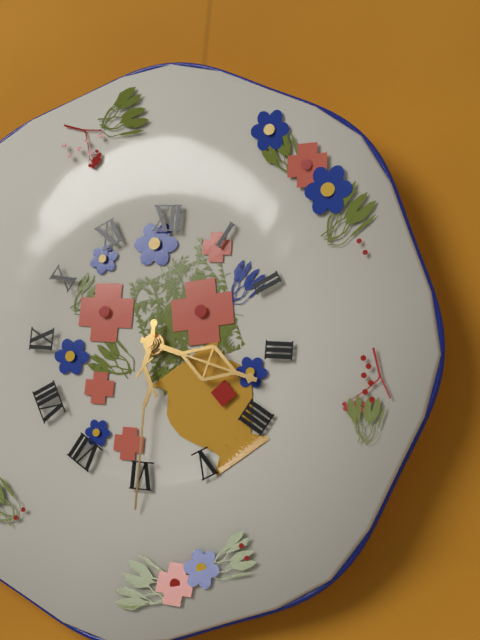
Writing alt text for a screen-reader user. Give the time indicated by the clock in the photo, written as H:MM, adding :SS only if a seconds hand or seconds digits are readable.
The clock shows 3:30
